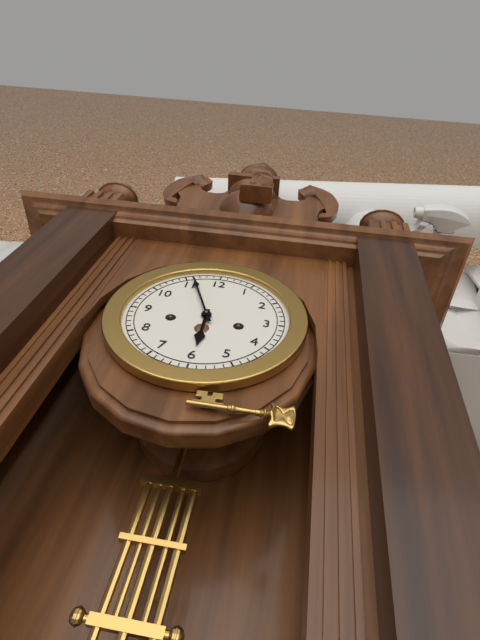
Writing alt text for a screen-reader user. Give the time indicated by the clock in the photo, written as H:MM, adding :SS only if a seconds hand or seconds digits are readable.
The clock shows 5:56
